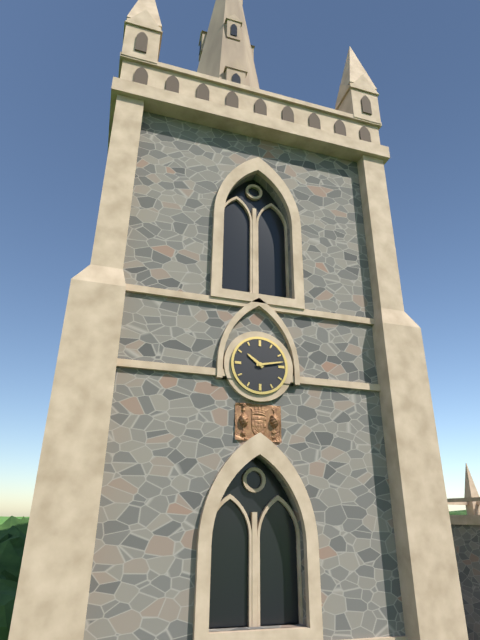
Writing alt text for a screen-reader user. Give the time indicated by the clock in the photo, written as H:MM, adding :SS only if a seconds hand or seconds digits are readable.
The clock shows 10:13
